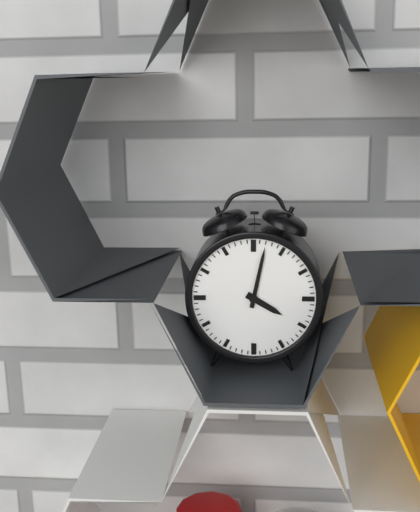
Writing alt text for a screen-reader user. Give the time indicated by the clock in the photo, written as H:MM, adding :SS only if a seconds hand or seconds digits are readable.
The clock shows 4:02
